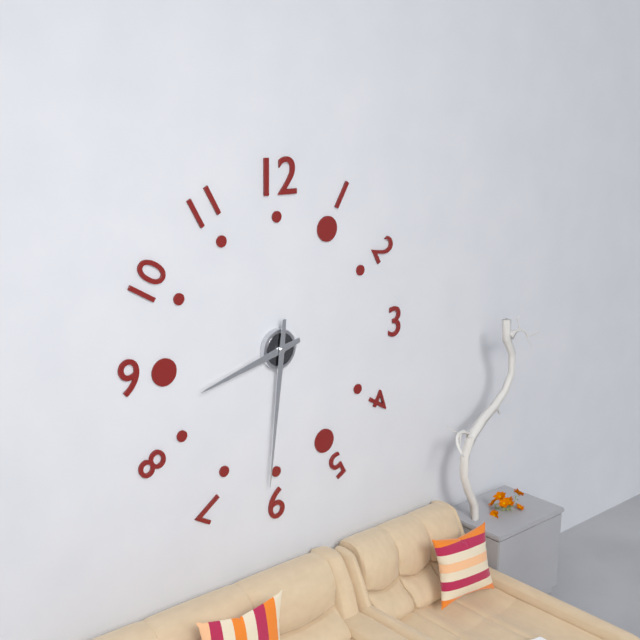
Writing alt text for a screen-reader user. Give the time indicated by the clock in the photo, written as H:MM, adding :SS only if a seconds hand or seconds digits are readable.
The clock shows 8:31
